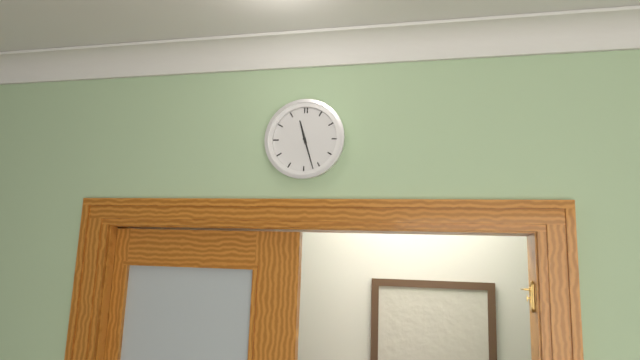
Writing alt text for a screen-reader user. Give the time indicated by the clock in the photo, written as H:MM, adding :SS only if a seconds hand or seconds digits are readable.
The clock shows 11:27
